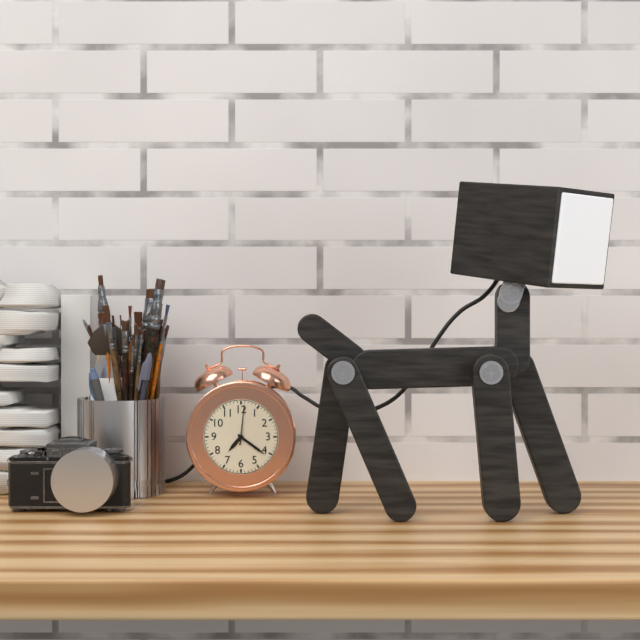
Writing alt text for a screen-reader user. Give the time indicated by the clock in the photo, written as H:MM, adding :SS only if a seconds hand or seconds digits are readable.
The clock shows 7:21
